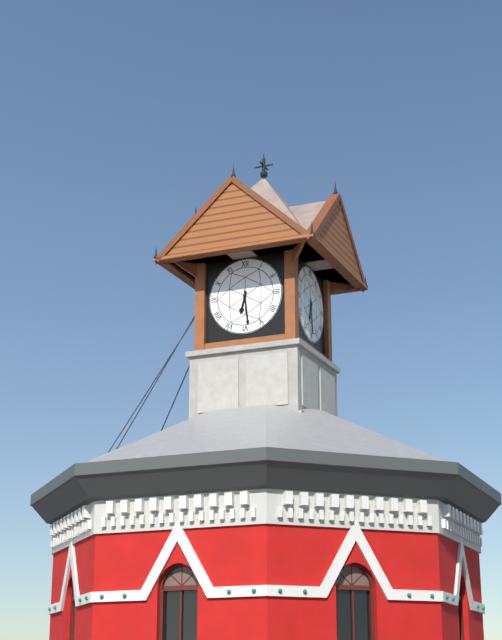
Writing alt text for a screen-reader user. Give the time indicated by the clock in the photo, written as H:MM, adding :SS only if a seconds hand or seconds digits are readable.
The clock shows 6:29
